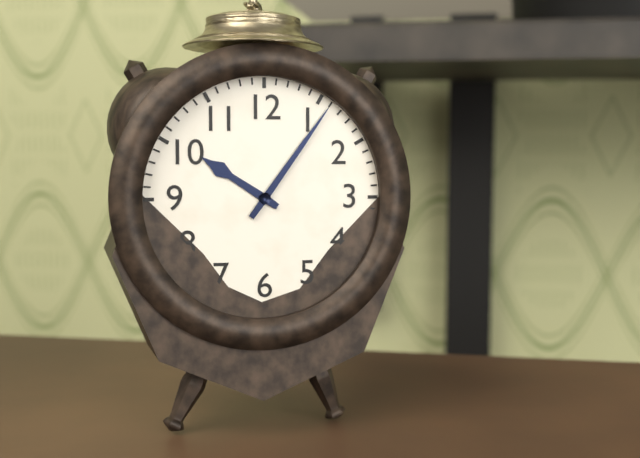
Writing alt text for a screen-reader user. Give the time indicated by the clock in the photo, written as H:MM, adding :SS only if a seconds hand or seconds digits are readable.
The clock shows 10:06
